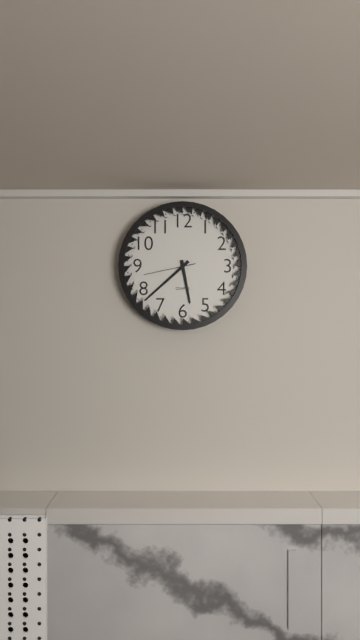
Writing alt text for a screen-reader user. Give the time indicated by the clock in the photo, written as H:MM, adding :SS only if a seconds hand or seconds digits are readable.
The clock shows 5:38
